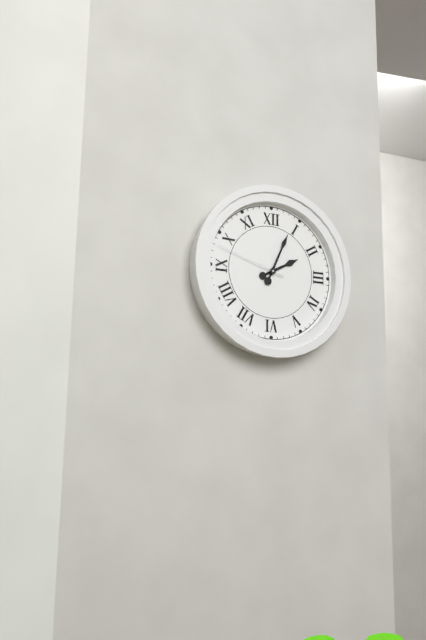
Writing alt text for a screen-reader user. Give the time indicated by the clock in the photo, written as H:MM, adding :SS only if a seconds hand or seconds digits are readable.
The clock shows 2:04:48
